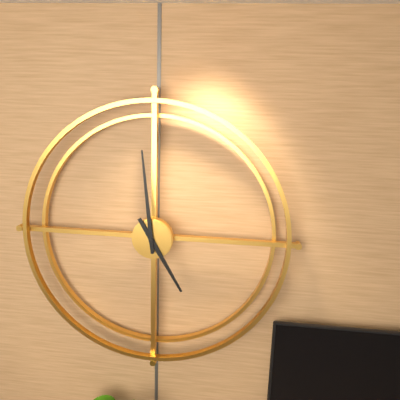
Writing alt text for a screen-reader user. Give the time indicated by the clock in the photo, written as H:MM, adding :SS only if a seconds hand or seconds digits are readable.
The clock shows 4:59
